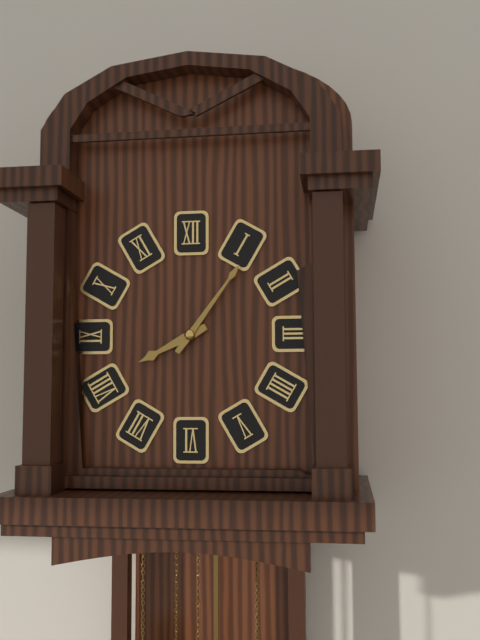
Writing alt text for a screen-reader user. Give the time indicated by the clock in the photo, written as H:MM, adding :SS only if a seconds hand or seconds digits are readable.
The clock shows 8:06
